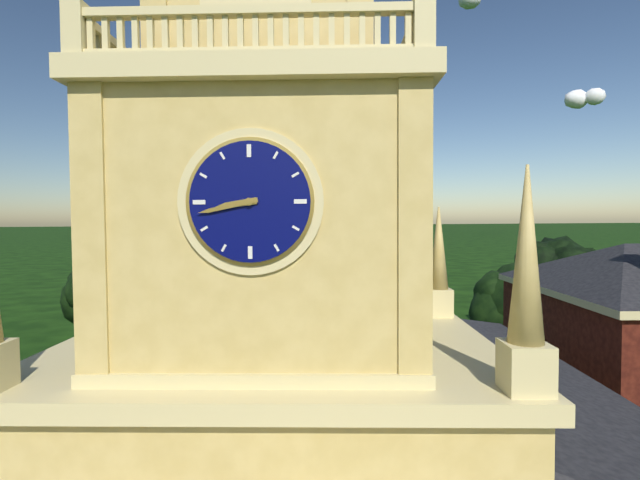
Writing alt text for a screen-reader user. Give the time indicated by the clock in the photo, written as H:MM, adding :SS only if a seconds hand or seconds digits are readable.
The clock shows 8:43
